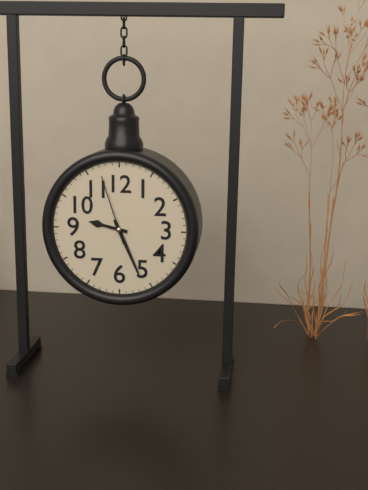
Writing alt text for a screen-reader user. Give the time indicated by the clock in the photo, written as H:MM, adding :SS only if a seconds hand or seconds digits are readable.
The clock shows 9:26:57
